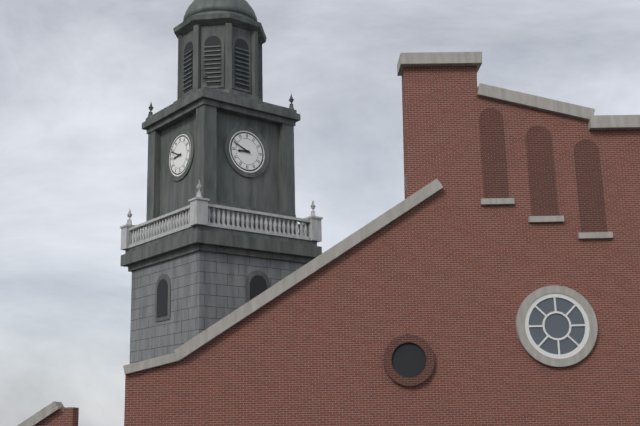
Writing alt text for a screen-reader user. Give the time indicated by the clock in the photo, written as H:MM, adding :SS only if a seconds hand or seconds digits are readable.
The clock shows 8:49
